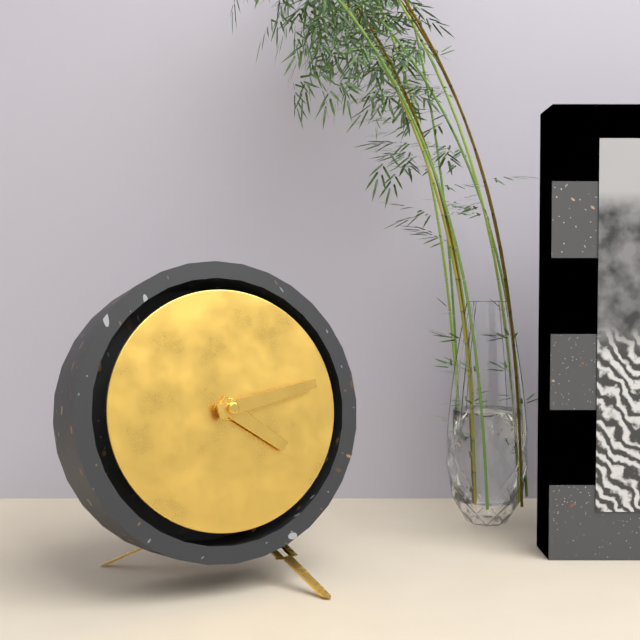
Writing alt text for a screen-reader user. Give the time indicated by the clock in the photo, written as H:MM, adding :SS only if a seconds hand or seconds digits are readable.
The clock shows 4:13
